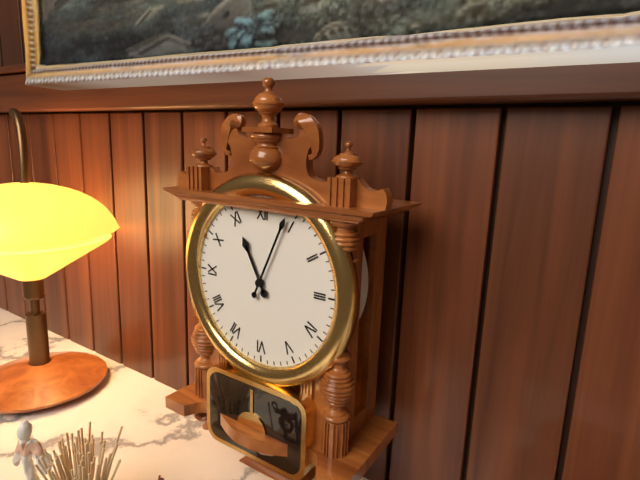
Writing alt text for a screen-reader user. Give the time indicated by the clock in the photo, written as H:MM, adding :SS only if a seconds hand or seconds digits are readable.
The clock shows 11:04
